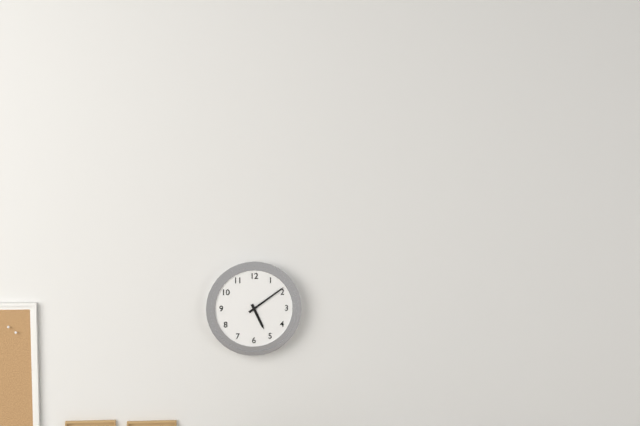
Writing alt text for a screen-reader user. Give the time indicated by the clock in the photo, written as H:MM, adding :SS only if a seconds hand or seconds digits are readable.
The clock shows 5:09
